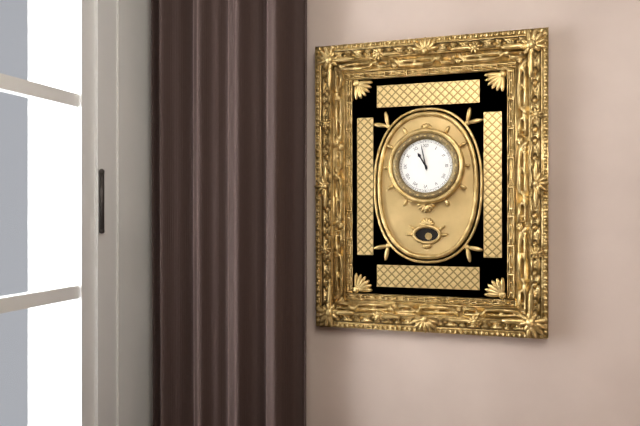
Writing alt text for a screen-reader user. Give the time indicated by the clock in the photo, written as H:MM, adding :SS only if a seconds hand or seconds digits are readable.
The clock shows 10:58
